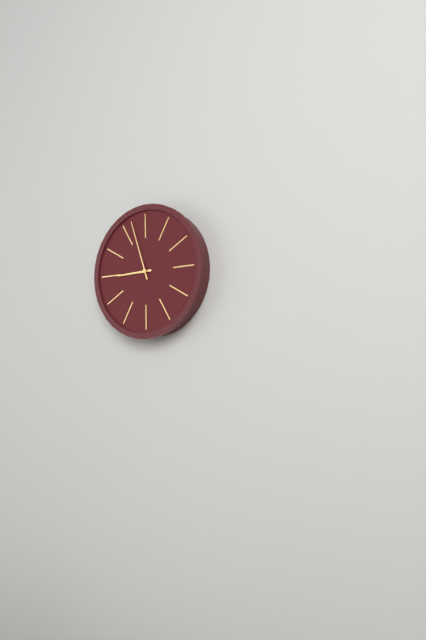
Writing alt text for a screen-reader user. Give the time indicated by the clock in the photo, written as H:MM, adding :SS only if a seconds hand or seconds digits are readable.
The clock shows 8:57
